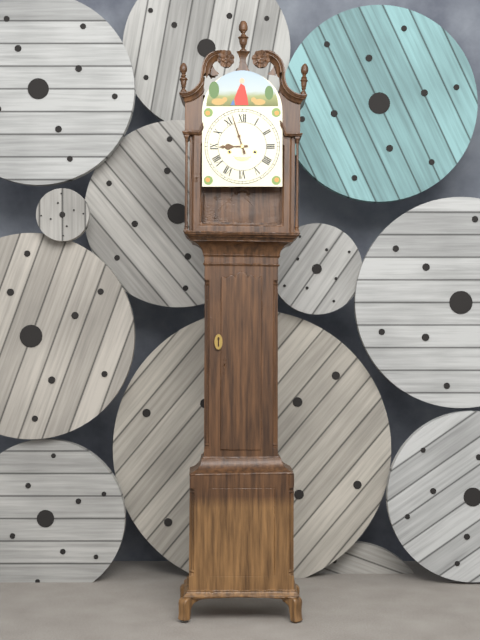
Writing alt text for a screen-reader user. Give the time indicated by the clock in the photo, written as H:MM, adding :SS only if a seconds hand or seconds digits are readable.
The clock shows 8:57
